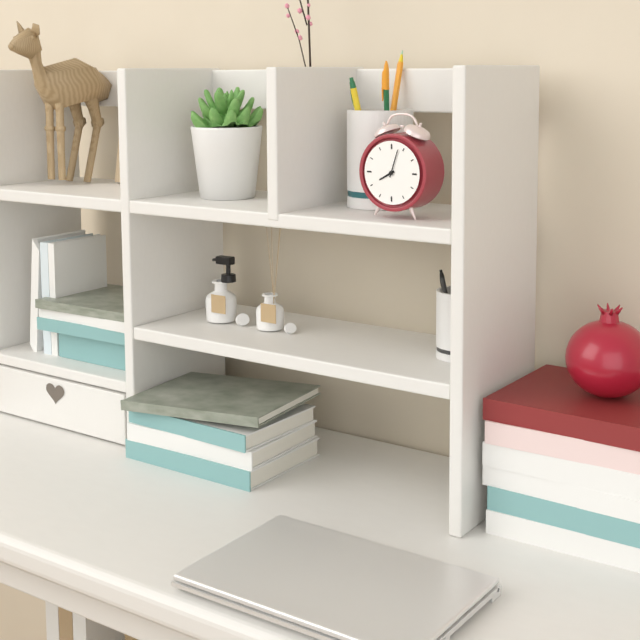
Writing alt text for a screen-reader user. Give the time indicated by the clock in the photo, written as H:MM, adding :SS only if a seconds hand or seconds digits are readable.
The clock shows 8:03
